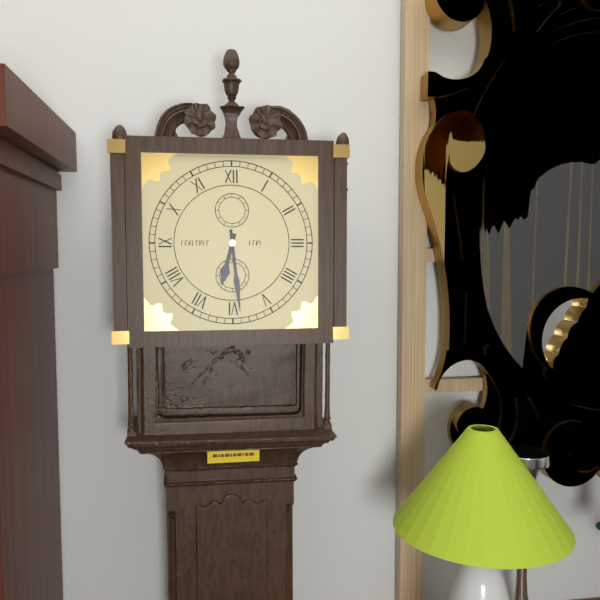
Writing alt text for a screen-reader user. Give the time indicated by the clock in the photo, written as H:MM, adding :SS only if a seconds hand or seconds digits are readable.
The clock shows 6:29
